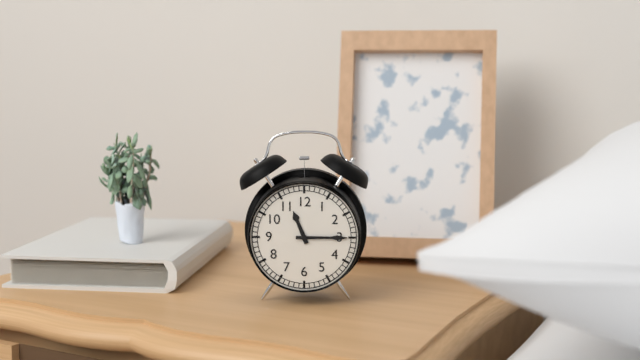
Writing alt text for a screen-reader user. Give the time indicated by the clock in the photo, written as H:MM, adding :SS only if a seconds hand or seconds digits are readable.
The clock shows 11:15
